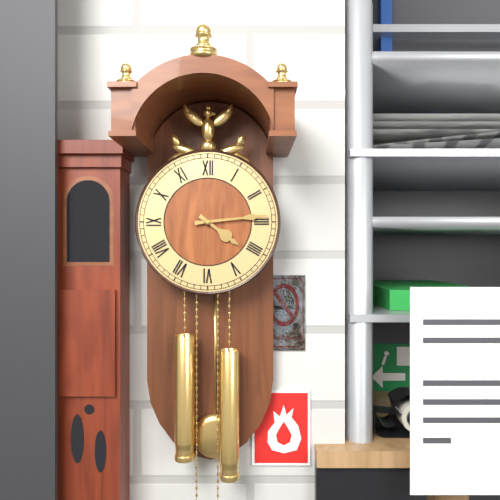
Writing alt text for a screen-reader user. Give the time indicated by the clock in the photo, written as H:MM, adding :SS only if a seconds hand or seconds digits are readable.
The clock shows 4:14
